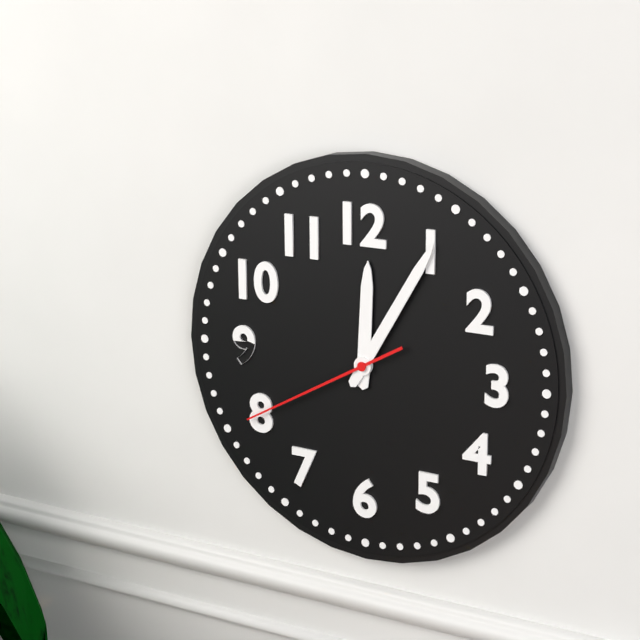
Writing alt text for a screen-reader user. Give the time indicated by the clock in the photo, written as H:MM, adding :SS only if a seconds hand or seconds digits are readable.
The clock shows 12:05:40
